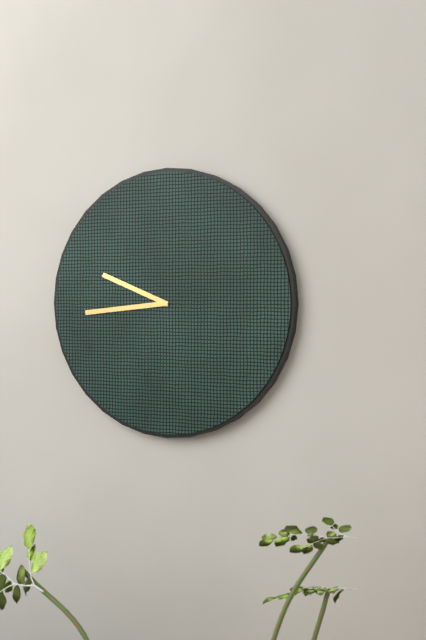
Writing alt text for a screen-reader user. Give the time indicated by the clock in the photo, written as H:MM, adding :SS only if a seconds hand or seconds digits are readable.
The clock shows 9:44
